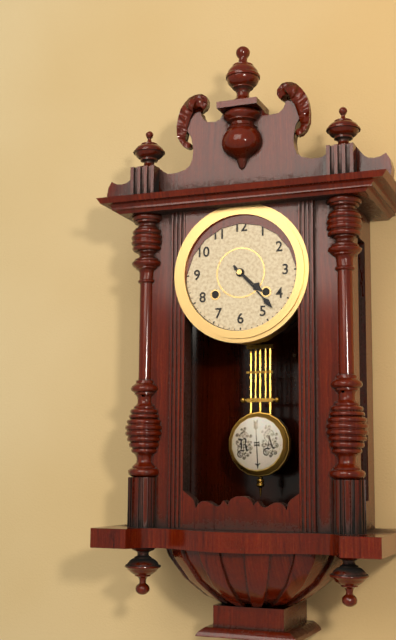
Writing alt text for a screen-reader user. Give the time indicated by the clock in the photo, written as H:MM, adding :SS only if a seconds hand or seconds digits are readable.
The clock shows 4:23
